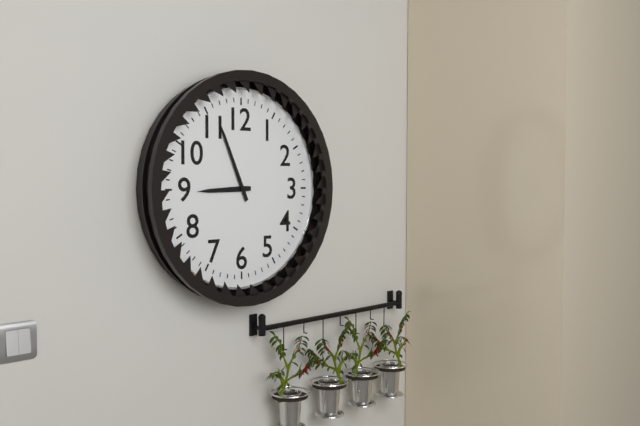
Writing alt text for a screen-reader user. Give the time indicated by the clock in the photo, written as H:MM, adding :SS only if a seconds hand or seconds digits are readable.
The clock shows 8:56
